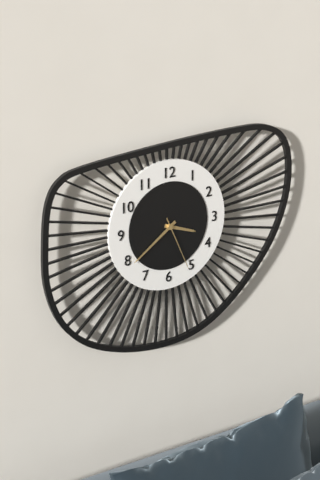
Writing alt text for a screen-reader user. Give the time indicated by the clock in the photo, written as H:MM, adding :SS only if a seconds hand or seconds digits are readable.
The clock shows 3:39:26
